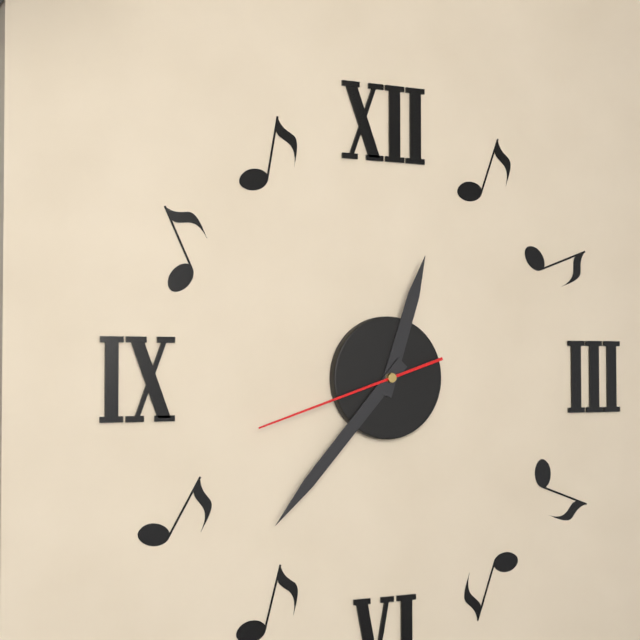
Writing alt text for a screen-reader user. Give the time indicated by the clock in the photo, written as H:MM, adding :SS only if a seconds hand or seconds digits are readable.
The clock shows 12:37:42
